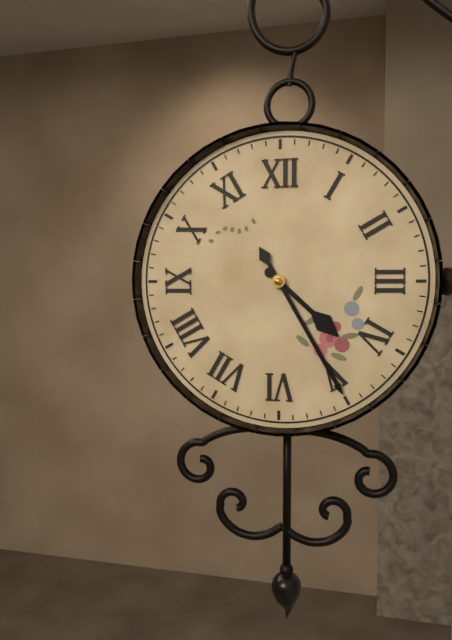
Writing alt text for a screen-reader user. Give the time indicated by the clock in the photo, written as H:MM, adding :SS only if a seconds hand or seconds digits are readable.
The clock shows 4:25
